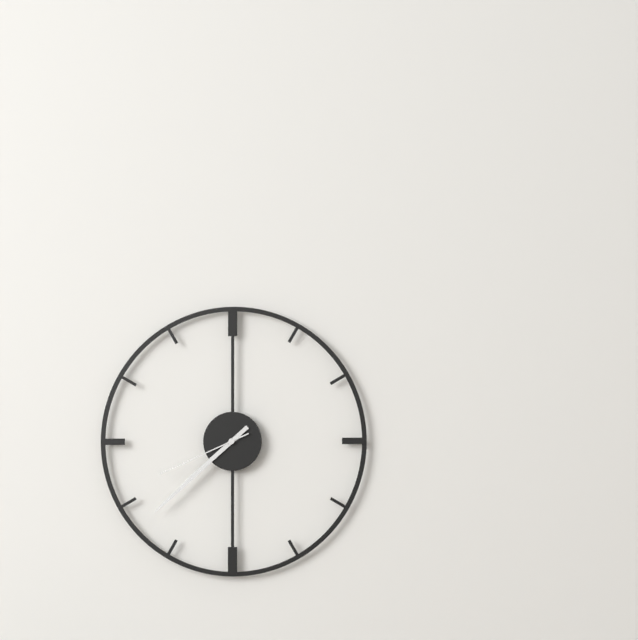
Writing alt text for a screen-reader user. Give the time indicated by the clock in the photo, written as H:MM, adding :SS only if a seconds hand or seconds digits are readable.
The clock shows 7:38:41
